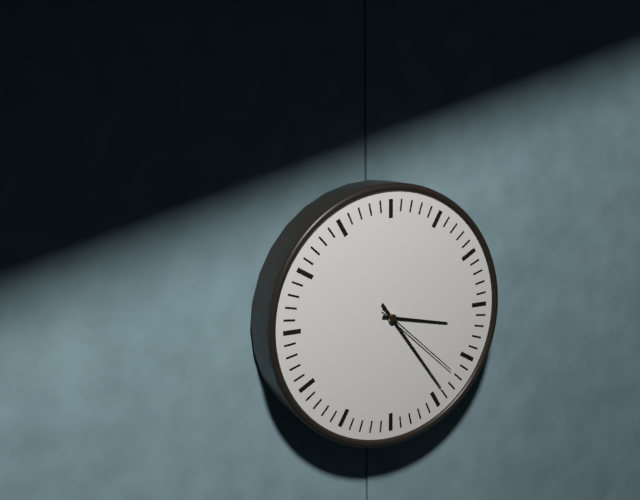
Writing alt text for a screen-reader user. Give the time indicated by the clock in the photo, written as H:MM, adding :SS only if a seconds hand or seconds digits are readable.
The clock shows 3:24:22
